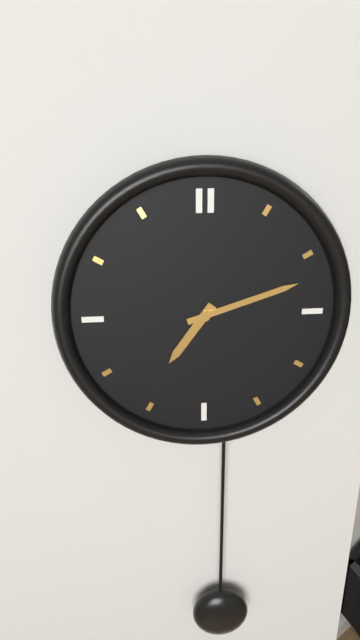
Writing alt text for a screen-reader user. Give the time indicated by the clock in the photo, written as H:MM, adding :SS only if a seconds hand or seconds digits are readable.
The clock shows 7:12
